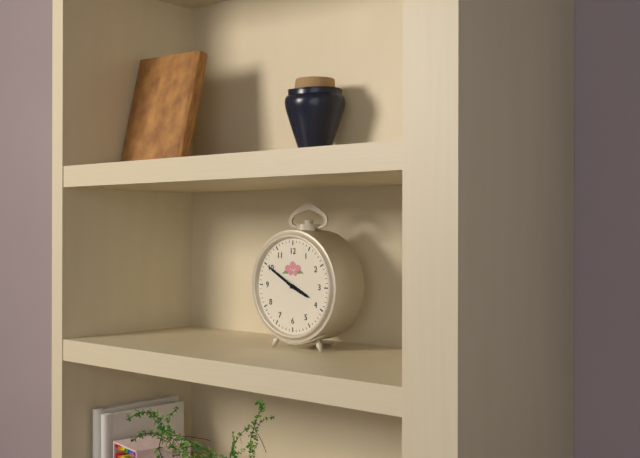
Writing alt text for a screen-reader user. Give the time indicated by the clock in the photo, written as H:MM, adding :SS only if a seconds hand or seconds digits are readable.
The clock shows 3:50
